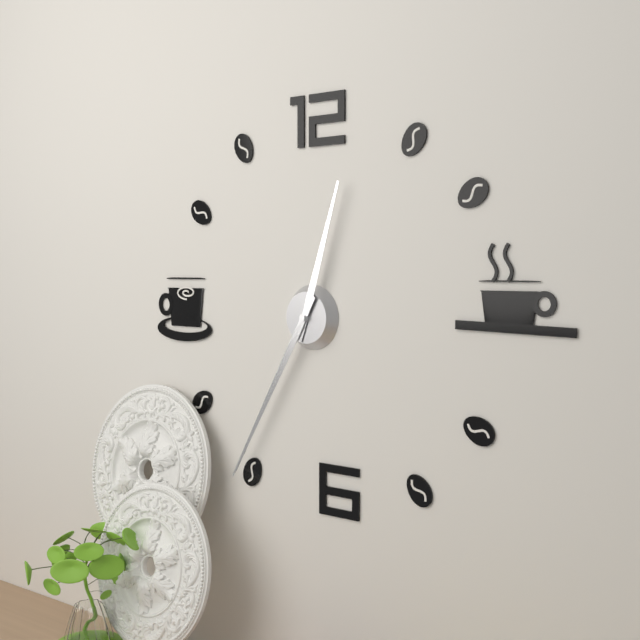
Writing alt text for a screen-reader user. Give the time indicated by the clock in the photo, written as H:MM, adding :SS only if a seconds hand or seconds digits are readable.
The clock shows 12:35
